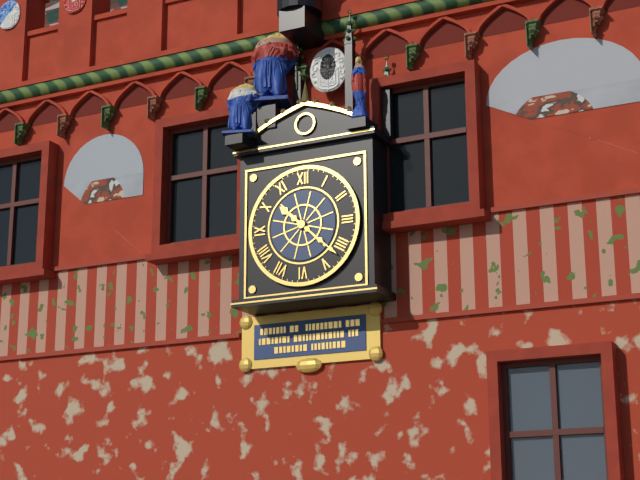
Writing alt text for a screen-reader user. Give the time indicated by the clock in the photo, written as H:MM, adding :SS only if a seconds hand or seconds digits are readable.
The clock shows 10:22
